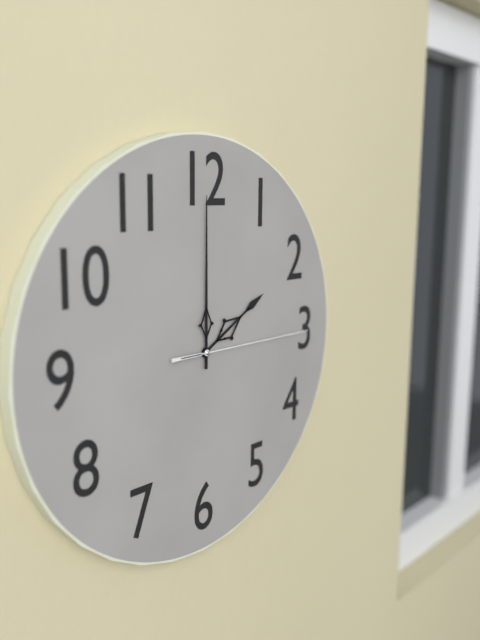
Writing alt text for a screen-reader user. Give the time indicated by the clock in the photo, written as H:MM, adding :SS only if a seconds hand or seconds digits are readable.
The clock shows 2:00:15
